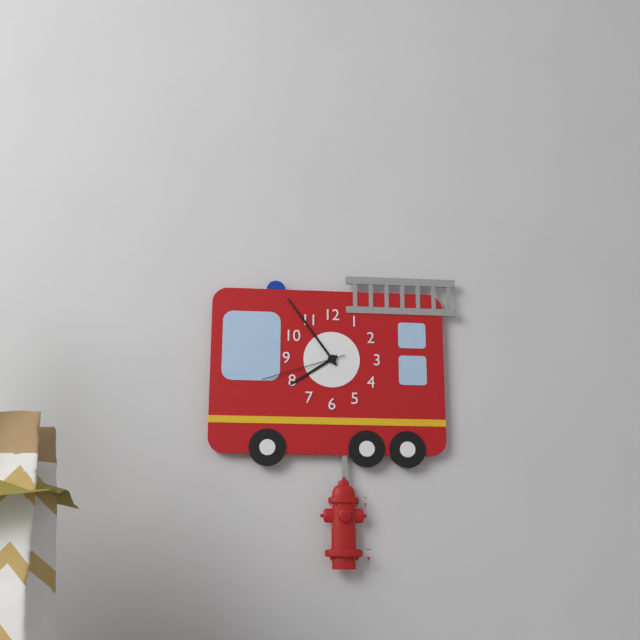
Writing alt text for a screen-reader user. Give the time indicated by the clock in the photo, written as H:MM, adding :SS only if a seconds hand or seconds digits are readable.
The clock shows 7:54:42
